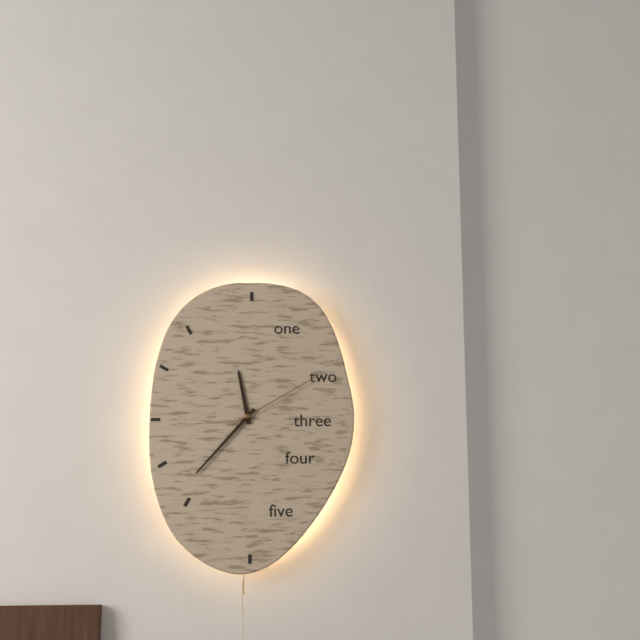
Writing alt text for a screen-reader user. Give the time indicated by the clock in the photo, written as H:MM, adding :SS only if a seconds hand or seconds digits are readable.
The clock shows 11:37:10
